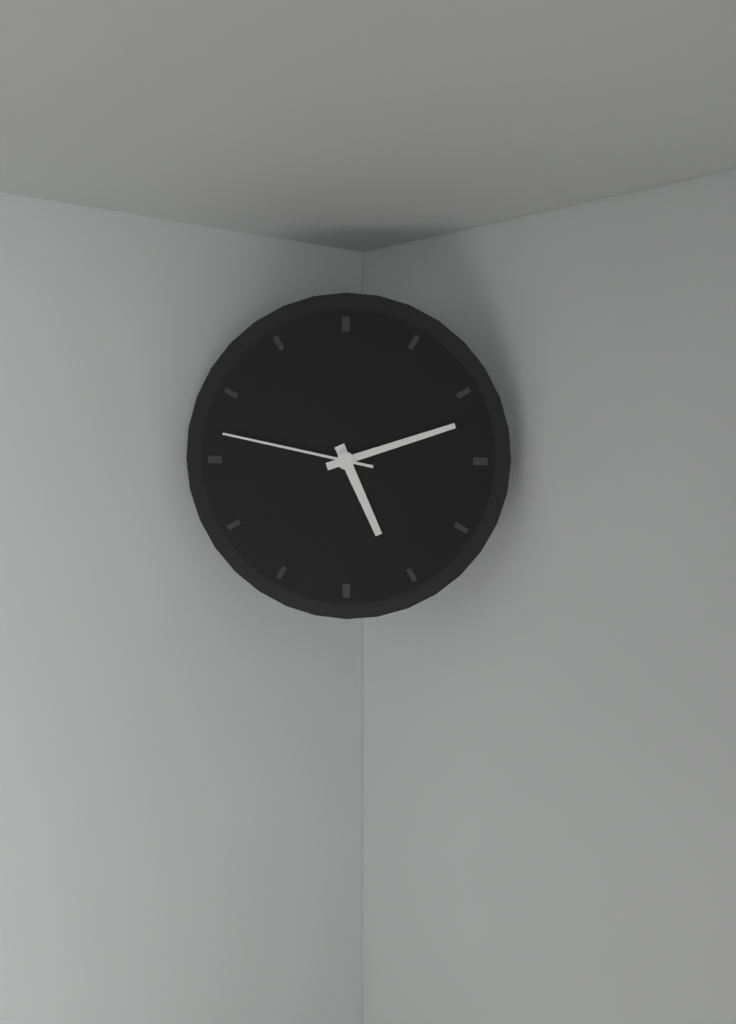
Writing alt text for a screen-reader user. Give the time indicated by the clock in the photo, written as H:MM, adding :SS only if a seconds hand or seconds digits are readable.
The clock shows 5:12:47
